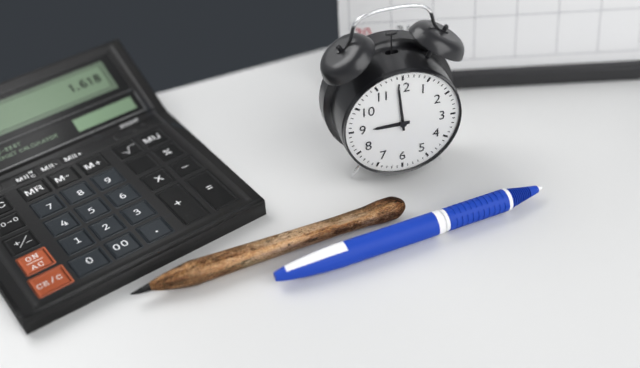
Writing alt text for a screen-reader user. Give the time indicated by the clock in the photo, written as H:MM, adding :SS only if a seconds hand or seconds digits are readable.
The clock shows 8:59
